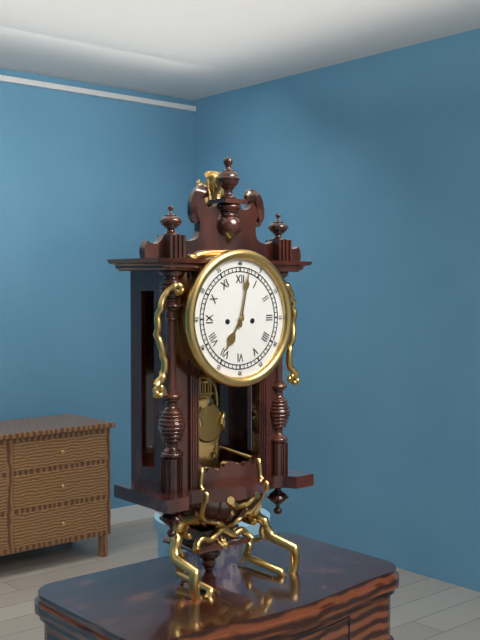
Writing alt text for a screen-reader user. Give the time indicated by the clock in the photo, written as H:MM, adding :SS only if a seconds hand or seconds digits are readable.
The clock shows 7:02
